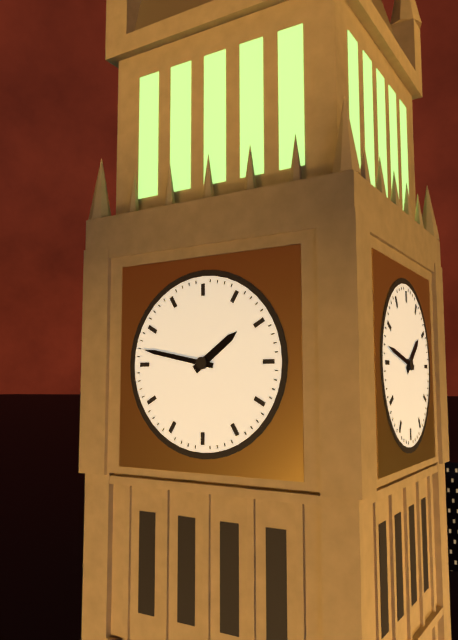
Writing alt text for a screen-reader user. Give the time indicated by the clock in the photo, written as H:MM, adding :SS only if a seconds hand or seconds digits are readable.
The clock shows 1:47
